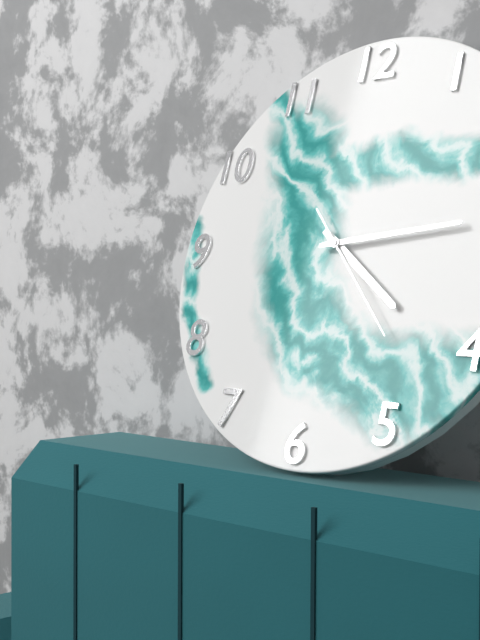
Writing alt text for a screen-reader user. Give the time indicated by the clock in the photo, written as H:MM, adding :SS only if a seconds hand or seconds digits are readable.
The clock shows 4:14:23
